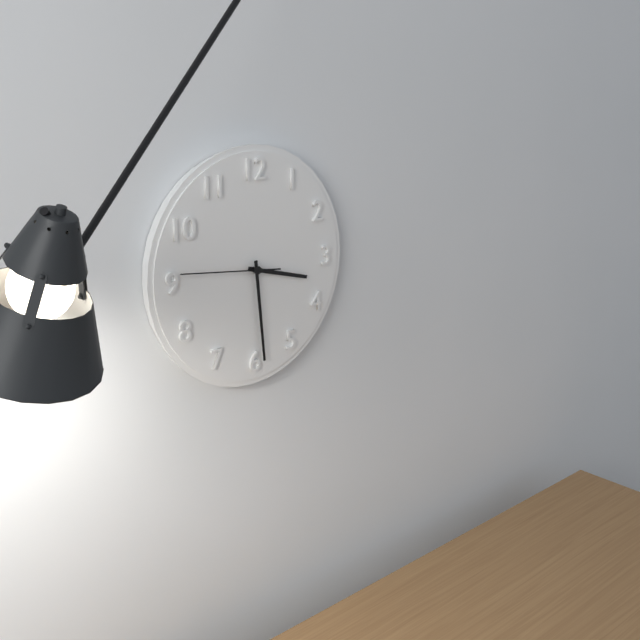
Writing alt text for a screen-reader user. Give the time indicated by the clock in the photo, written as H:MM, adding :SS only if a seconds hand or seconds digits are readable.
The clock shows 3:29:46
